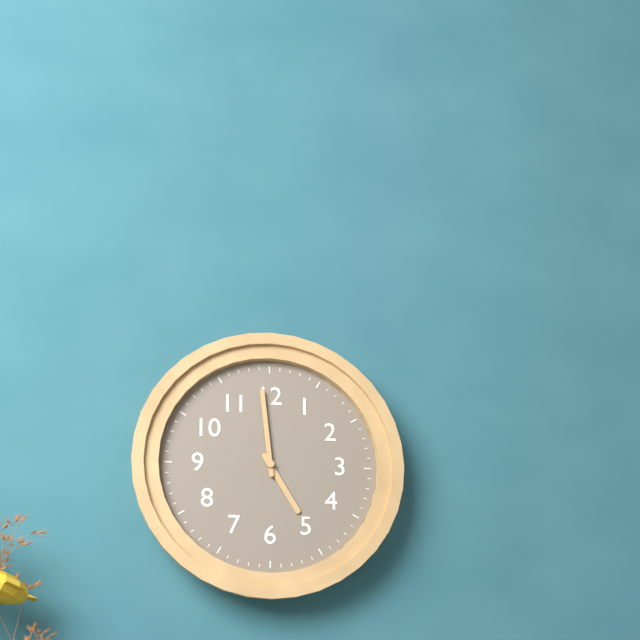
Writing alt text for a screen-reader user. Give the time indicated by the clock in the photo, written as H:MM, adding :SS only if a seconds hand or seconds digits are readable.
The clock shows 4:59
